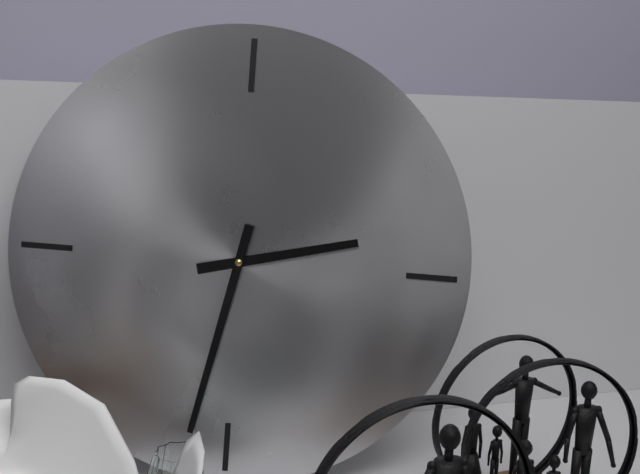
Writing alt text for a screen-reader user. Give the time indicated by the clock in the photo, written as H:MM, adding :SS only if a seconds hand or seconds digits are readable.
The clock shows 2:32
